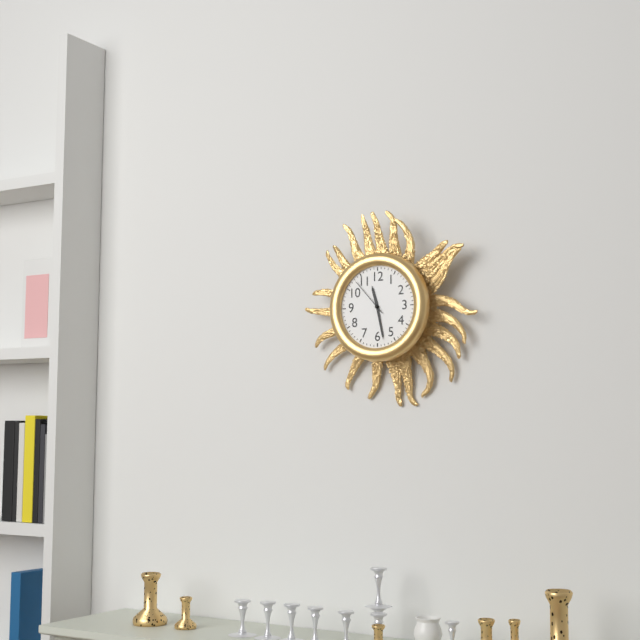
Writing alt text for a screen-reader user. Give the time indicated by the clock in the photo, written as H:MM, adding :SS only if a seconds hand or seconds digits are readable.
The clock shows 11:28
